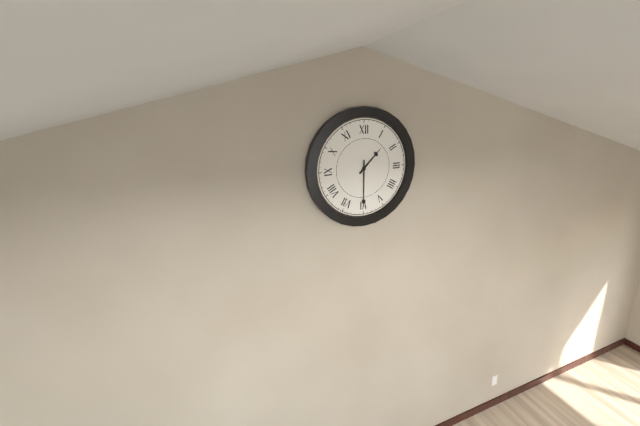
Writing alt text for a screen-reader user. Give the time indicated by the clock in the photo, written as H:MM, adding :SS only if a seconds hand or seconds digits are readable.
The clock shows 1:30
